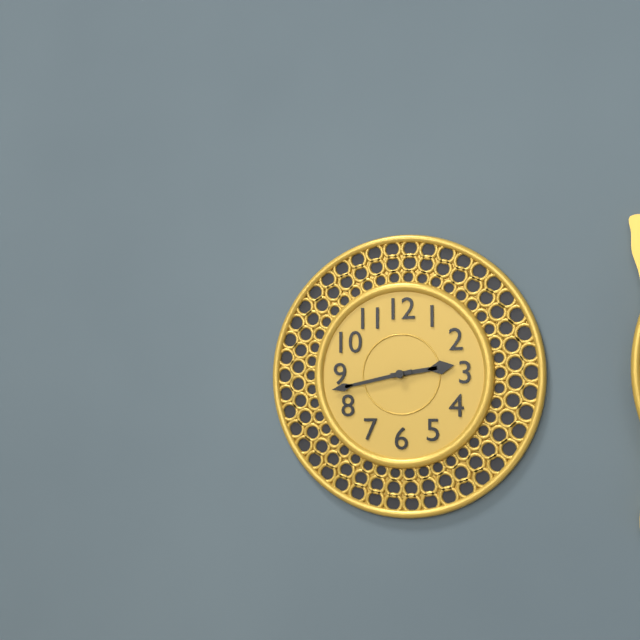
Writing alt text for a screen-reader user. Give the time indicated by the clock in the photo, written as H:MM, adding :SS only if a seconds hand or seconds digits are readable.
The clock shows 2:43
